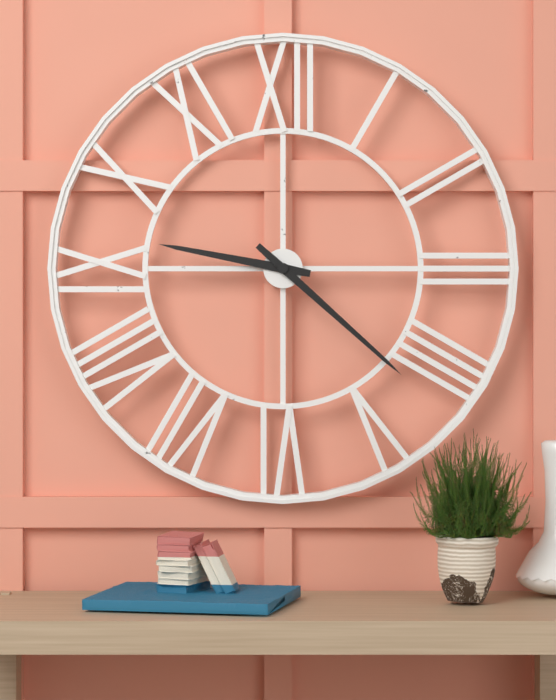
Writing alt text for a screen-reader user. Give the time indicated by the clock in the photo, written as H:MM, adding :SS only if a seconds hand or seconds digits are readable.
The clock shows 9:22
